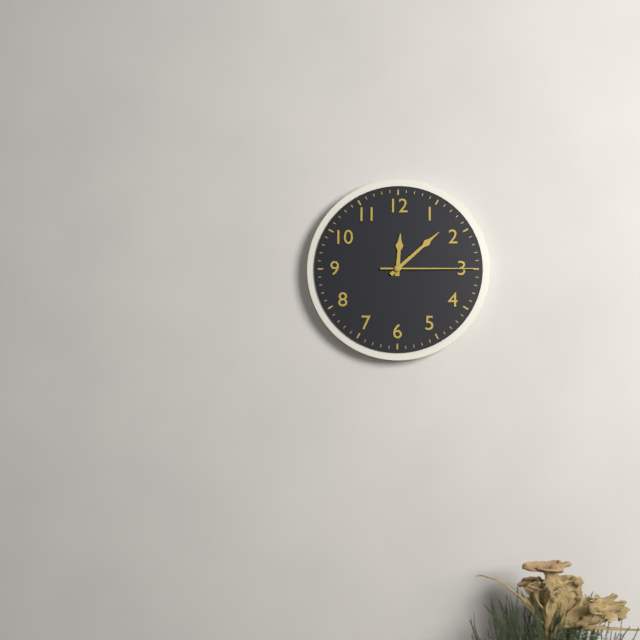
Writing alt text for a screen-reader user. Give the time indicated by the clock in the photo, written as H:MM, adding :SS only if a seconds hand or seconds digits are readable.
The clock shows 12:08:15
